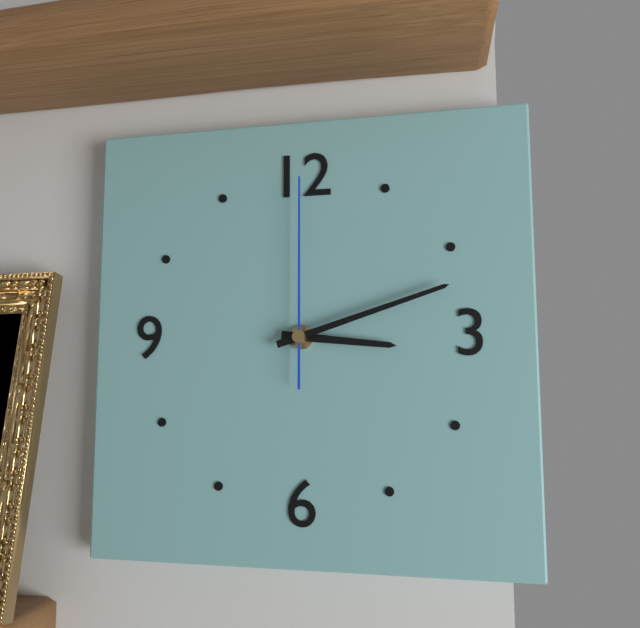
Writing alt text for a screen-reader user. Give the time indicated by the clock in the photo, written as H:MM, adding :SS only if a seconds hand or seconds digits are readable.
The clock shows 3:12:00
